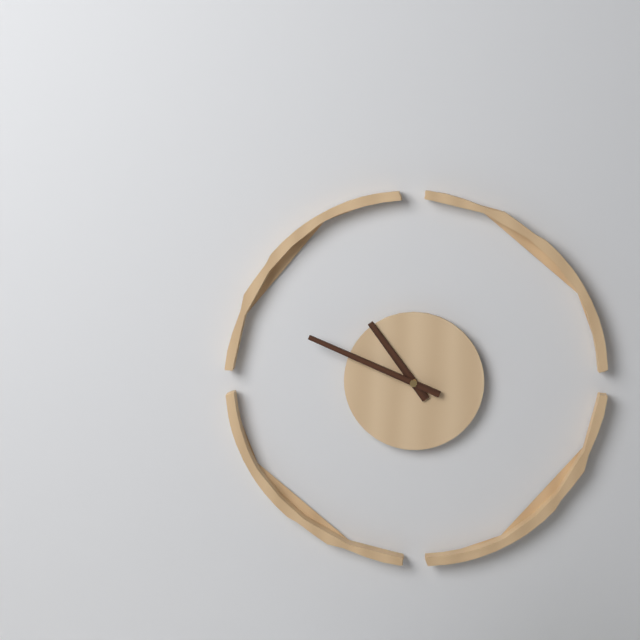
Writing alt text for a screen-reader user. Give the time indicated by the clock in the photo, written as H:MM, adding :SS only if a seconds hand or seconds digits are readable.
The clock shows 10:49
